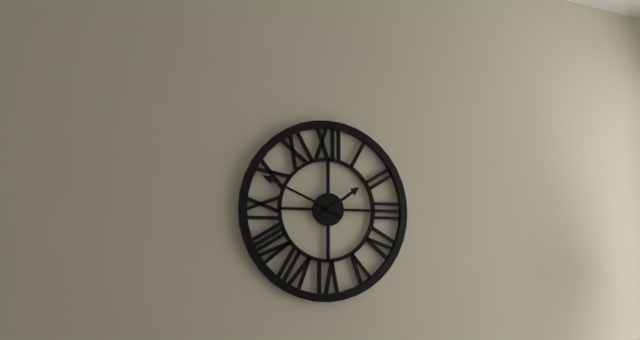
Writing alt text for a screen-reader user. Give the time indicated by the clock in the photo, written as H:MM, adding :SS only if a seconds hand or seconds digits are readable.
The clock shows 1:49
